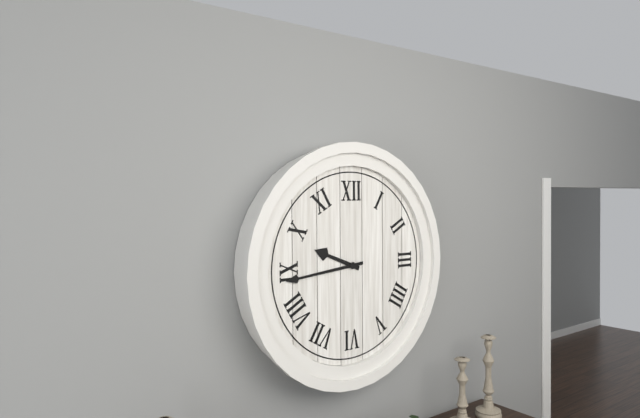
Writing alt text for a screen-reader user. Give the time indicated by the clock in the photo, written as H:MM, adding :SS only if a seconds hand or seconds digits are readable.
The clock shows 9:44
